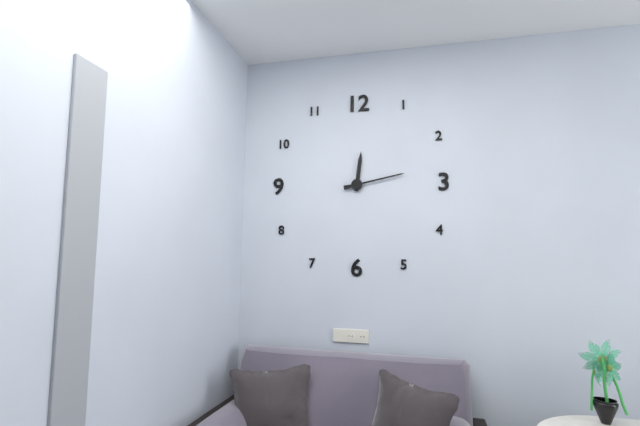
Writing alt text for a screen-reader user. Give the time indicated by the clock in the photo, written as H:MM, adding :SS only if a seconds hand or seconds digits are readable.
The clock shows 12:13
